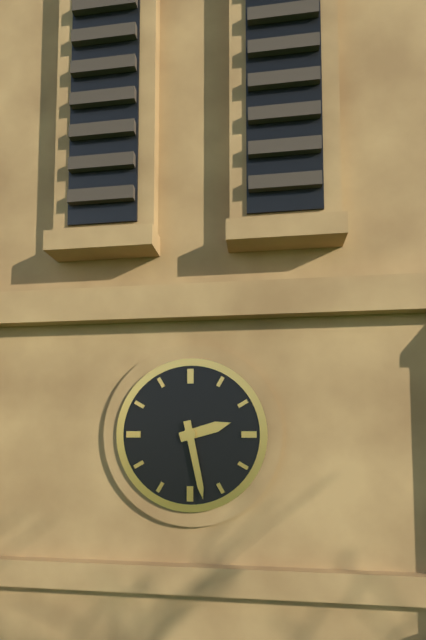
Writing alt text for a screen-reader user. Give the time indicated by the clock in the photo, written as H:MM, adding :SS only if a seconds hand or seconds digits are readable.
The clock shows 2:28
